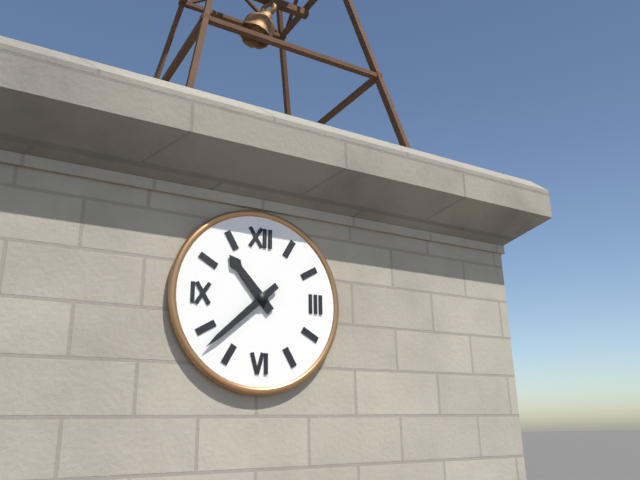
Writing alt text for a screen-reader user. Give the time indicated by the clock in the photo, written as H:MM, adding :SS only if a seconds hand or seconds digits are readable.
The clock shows 10:38
